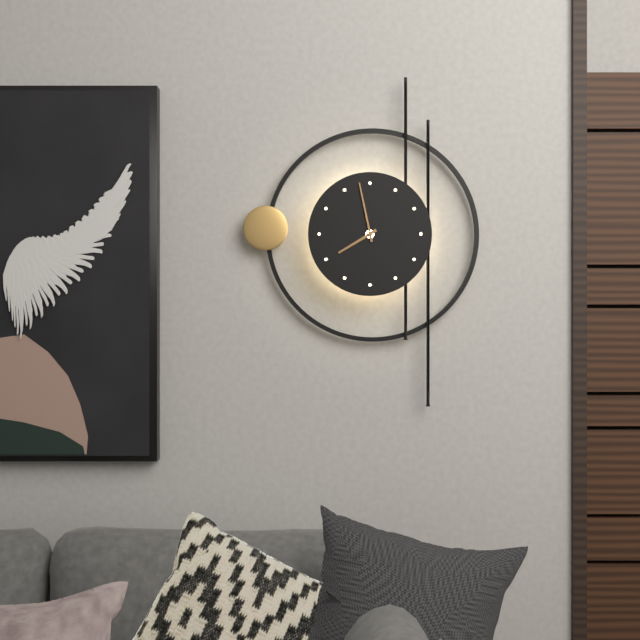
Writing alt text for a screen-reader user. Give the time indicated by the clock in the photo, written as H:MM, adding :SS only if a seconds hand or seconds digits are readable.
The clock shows 7:58
